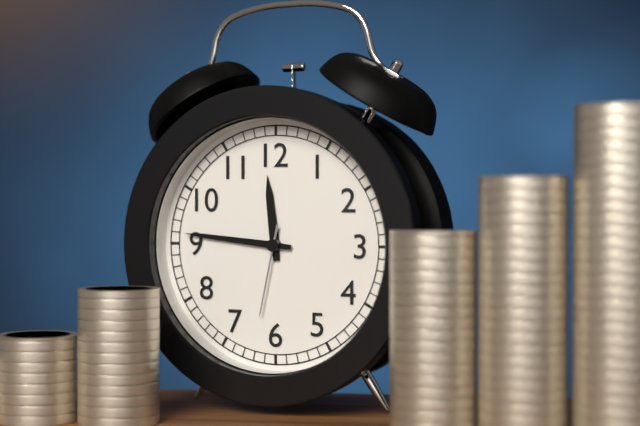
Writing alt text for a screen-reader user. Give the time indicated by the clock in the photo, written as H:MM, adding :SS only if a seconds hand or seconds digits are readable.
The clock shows 11:46:32
